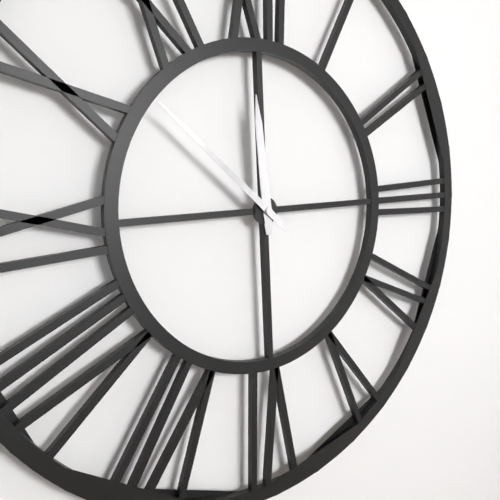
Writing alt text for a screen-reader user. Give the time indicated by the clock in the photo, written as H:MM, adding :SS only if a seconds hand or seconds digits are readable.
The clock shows 11:52
